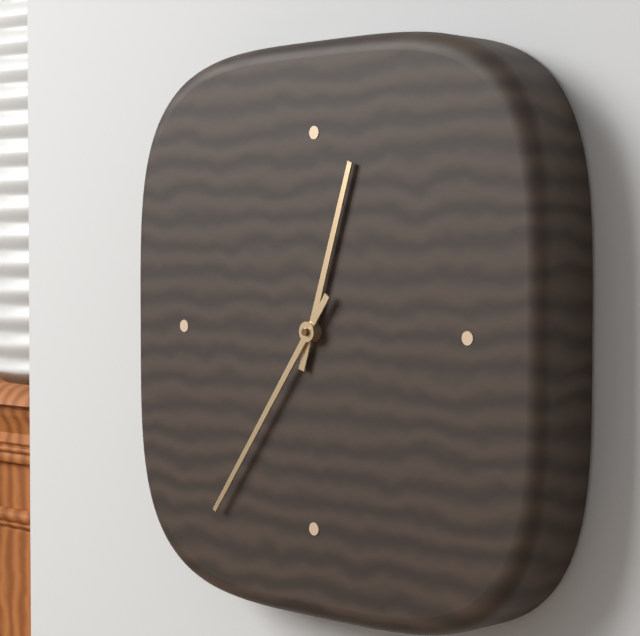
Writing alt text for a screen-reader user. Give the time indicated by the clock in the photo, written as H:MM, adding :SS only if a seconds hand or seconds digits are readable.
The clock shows 12:36
